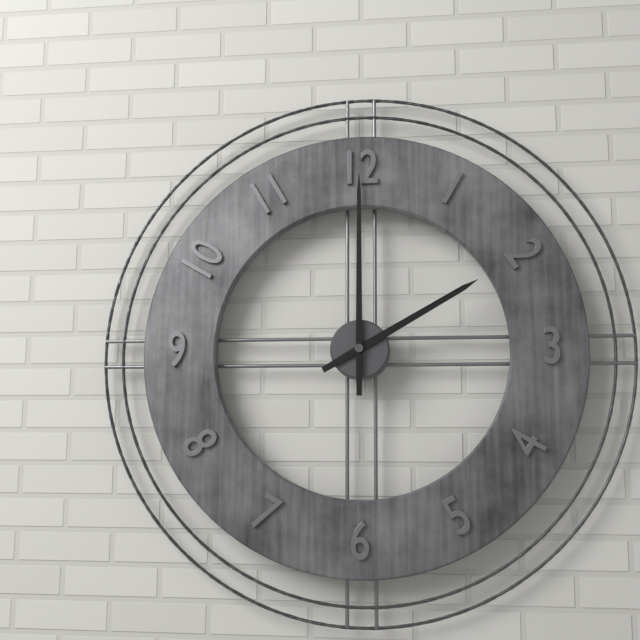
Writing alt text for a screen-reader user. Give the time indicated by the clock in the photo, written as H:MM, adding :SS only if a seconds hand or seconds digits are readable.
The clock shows 2:00
